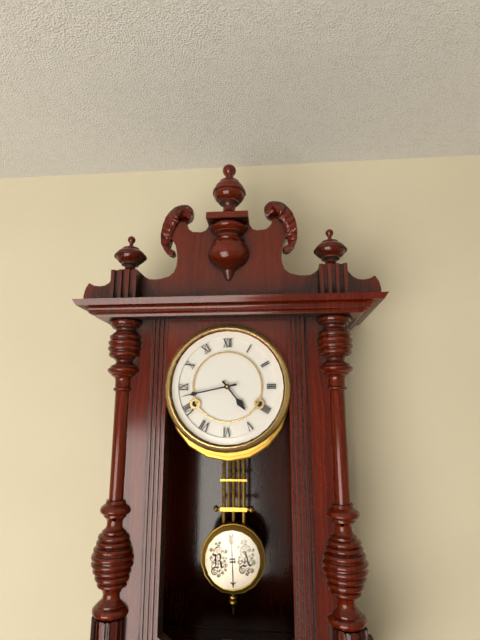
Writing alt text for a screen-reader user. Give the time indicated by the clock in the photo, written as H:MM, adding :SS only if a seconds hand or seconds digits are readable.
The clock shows 4:43
